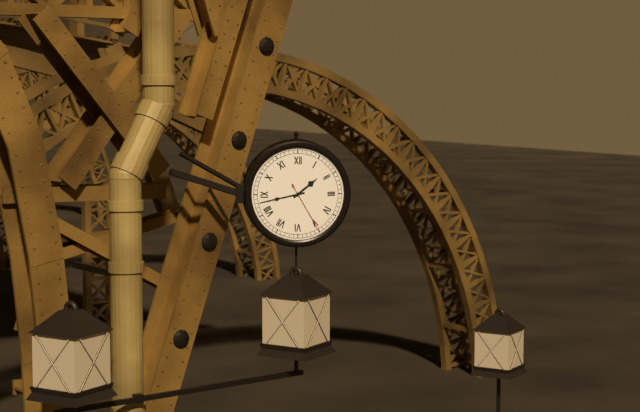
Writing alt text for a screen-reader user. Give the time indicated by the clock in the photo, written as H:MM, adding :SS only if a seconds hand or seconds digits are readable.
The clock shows 1:43:25
